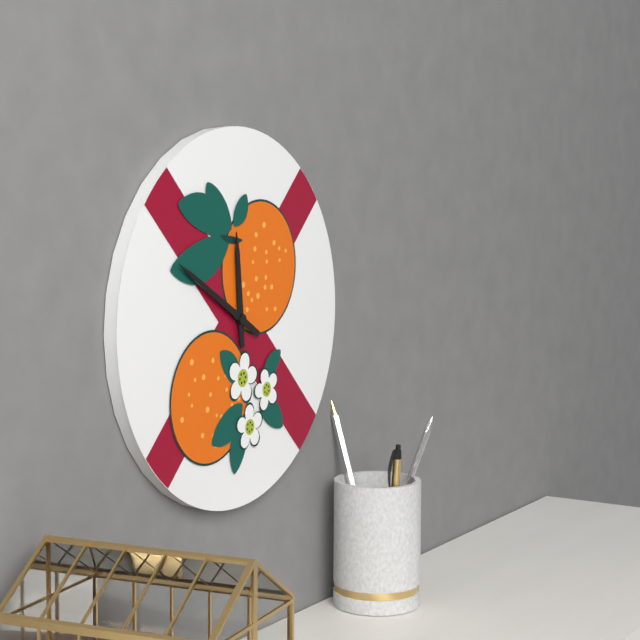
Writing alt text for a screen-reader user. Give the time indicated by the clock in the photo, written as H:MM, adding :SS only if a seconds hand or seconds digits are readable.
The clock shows 11:50
